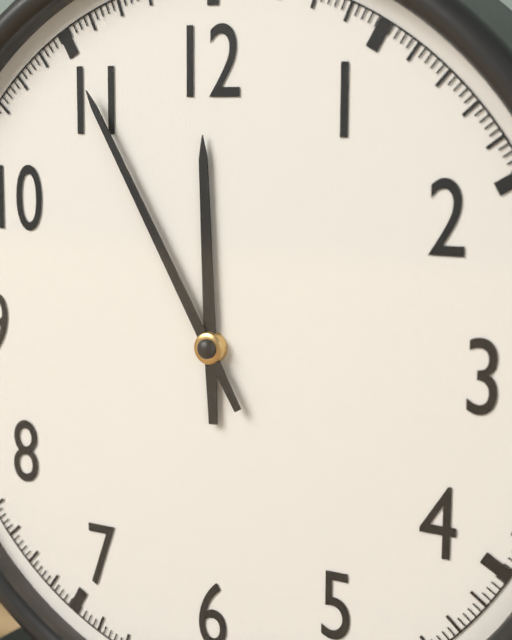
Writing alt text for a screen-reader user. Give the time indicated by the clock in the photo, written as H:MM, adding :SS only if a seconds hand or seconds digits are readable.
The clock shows 11:55
